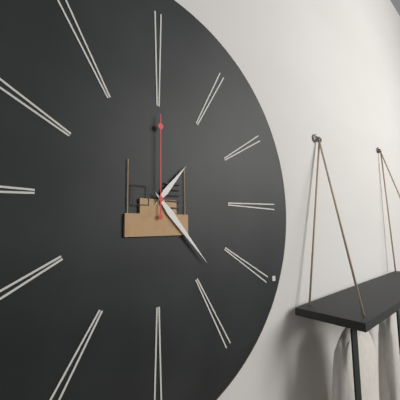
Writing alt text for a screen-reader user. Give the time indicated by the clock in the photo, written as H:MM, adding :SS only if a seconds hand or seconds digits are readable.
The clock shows 1:23:00
